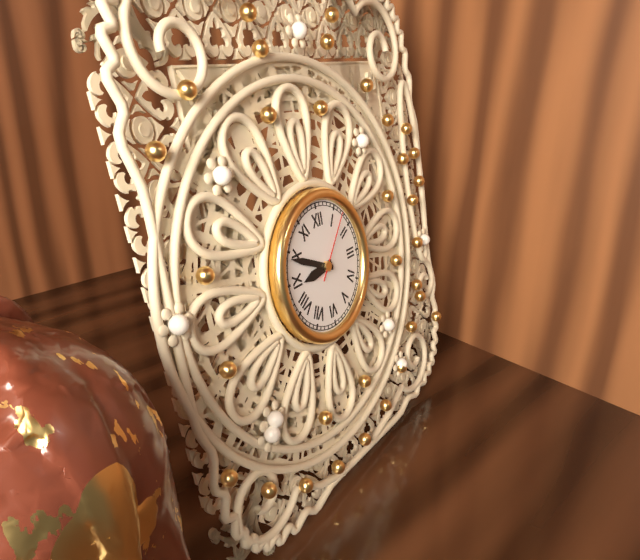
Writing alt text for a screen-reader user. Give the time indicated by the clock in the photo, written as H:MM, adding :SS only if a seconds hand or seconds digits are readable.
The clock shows 8:49:07
